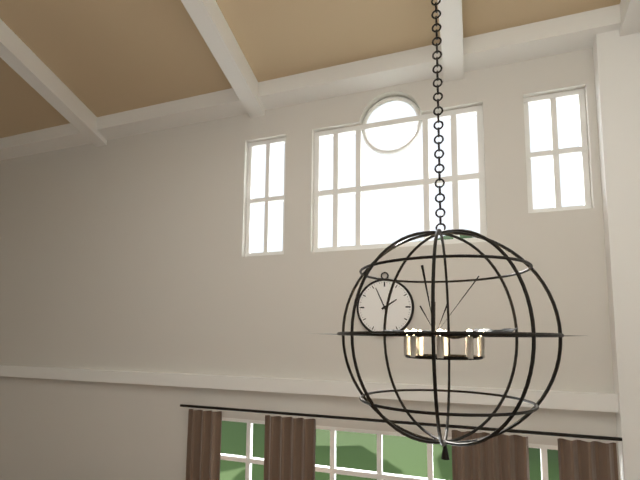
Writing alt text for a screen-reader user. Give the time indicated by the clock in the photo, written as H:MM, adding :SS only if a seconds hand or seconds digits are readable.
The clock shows 1:56
